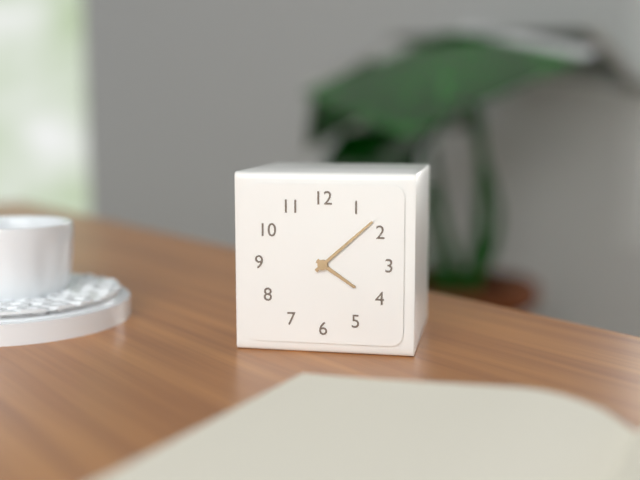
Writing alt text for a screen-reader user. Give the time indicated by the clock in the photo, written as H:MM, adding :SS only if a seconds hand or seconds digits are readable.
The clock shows 4:08
